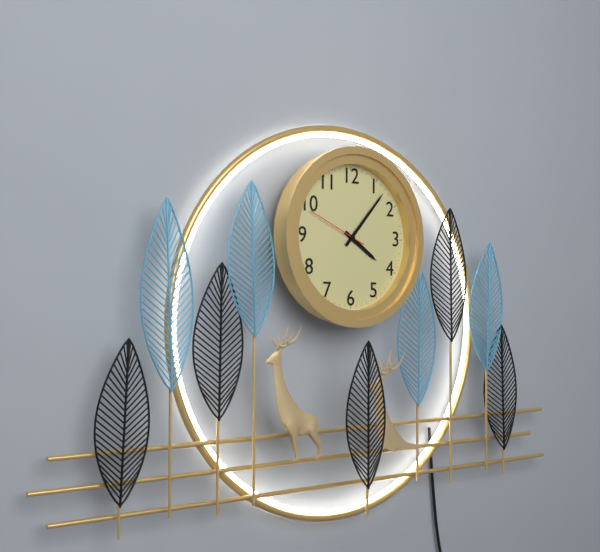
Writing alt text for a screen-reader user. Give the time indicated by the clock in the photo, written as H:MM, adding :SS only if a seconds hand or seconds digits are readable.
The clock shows 4:07:49
